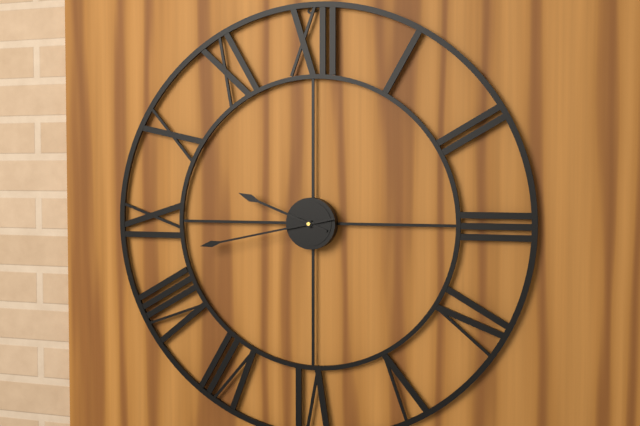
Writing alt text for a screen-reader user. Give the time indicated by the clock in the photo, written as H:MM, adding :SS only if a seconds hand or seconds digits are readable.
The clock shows 9:43
